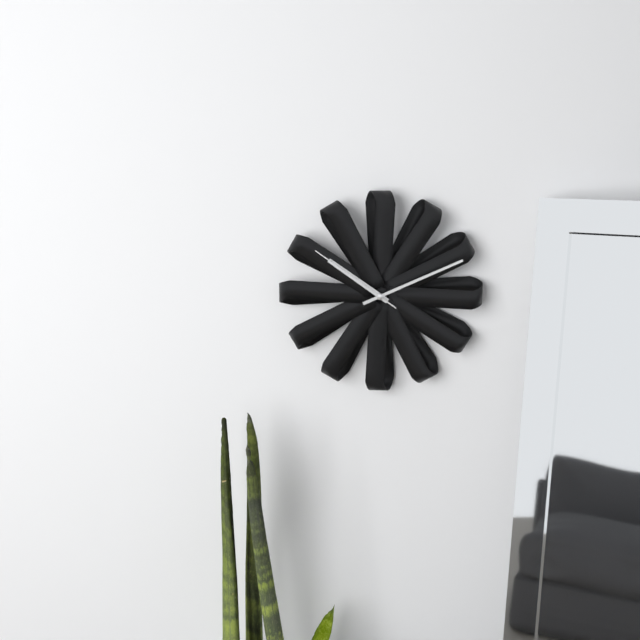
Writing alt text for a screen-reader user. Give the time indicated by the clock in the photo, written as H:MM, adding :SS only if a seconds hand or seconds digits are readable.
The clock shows 10:11:51
